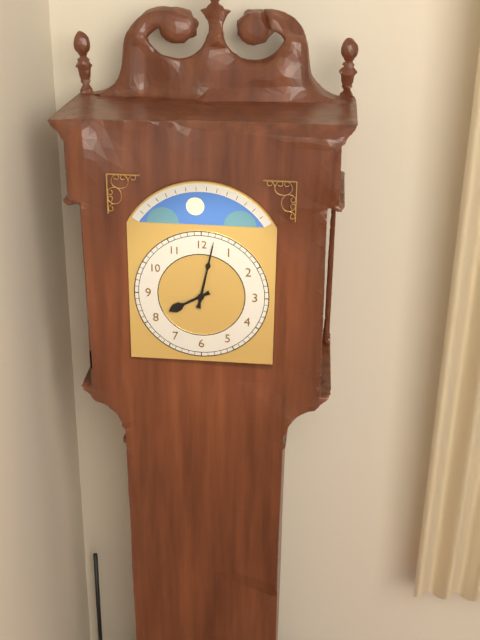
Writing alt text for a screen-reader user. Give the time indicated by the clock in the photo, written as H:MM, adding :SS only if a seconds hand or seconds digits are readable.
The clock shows 8:02
